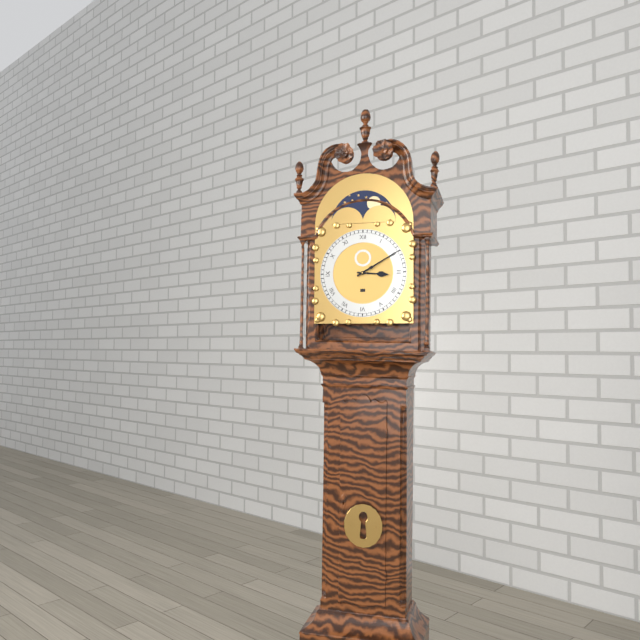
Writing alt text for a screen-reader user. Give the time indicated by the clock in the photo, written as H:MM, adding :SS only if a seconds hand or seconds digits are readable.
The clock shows 3:10
